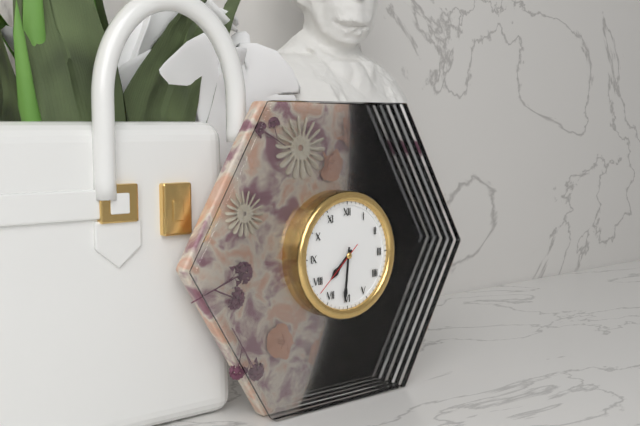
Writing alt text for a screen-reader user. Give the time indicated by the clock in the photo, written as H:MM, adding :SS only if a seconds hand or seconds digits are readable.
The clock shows 7:31:38
